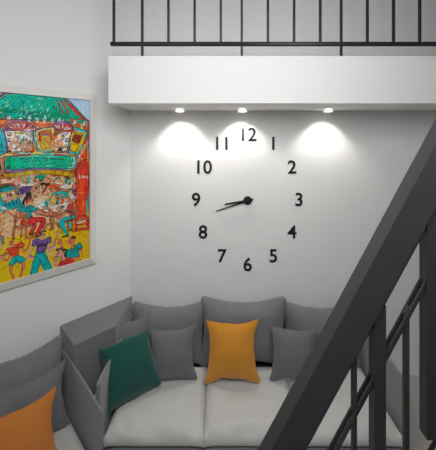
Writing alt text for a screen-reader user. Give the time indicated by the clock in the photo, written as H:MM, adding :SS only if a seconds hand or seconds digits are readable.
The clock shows 8:42
